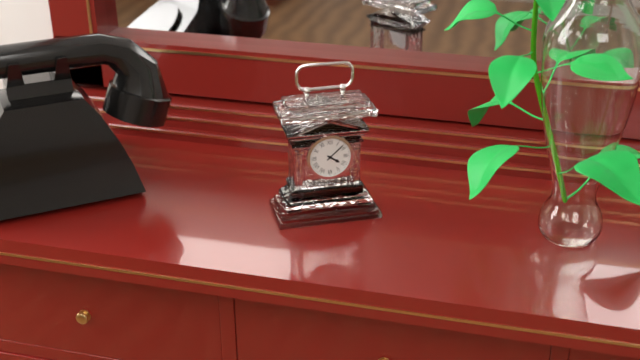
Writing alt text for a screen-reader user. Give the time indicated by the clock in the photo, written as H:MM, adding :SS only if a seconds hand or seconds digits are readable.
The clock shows 4:08
